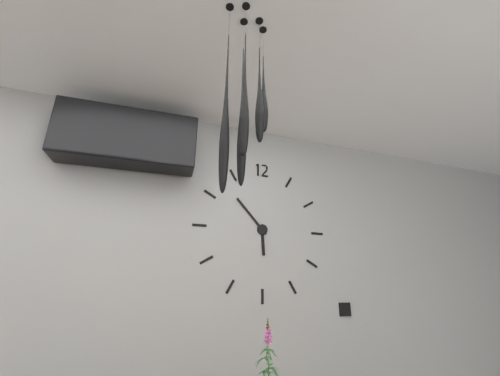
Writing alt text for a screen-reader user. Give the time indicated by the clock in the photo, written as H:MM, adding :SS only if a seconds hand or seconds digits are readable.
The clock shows 5:53
